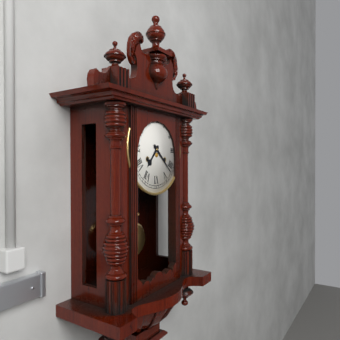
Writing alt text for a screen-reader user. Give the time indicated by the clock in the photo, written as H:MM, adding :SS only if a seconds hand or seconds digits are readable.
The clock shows 7:22
